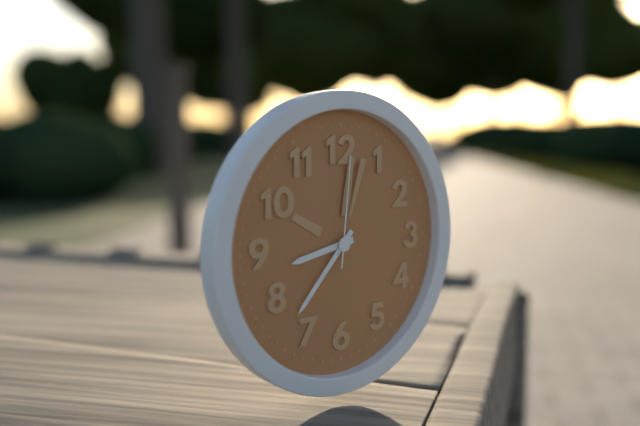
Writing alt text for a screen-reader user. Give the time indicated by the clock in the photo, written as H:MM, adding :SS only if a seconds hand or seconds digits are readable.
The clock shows 8:37:01
